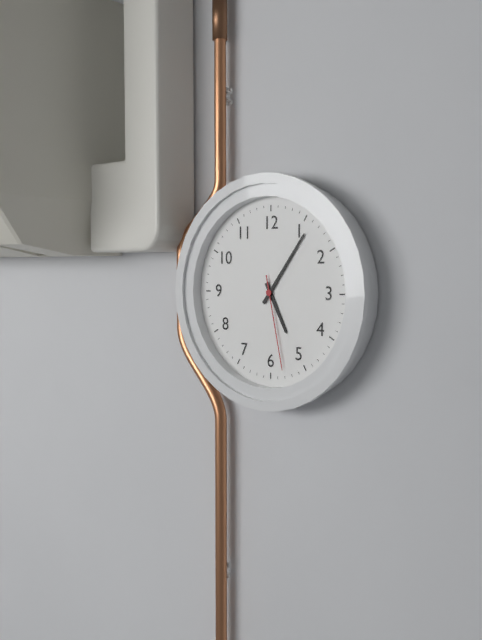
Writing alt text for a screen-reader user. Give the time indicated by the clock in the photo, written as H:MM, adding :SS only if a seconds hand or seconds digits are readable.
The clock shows 5:06:28
